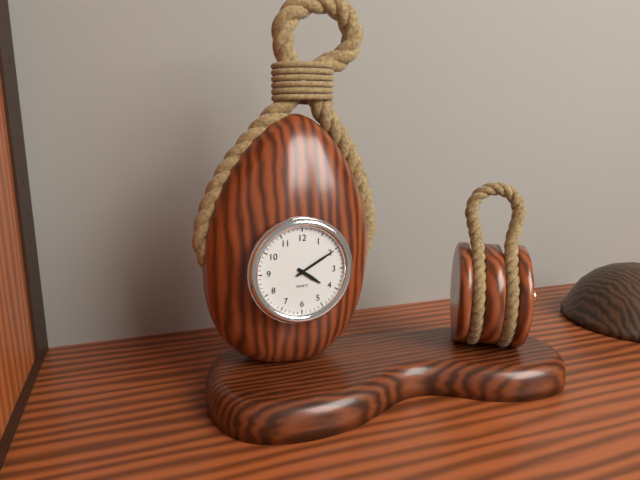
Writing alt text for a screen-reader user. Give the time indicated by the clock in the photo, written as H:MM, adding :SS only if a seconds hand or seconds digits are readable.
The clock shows 4:10
